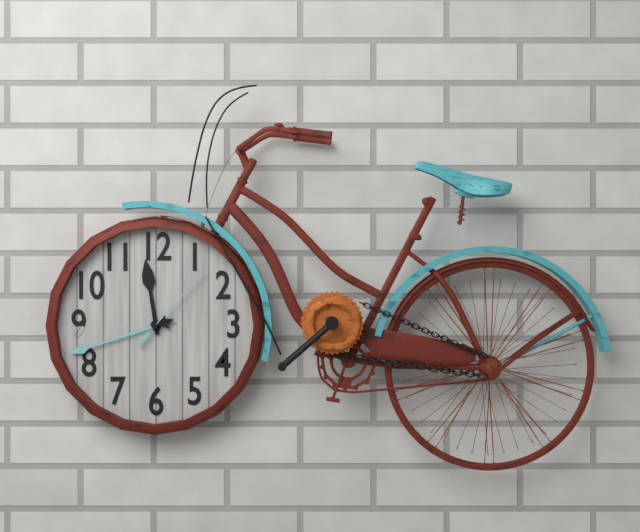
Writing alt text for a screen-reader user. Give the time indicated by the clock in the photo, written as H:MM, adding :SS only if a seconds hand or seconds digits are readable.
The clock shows 11:42:07
